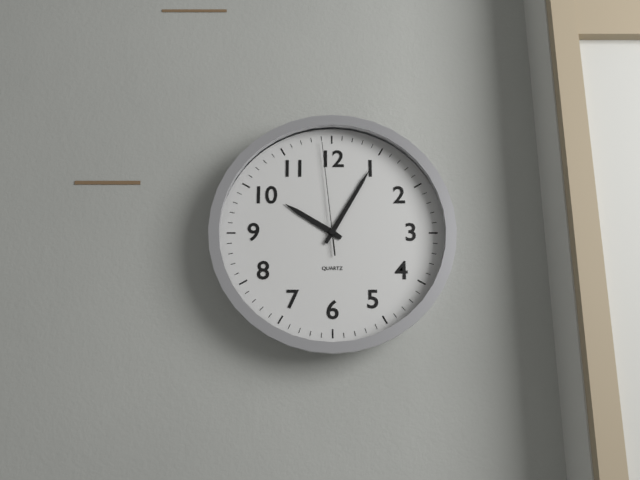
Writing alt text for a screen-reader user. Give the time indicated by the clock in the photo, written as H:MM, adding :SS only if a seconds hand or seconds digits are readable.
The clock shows 10:05:59
